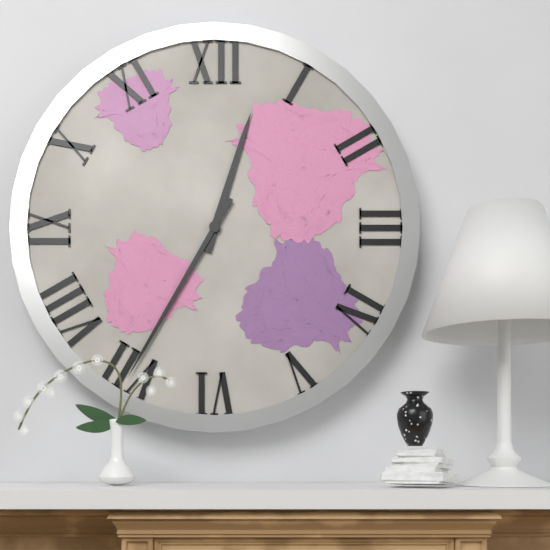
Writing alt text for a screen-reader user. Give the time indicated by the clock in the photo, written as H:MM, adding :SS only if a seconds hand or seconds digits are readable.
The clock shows 12:35
